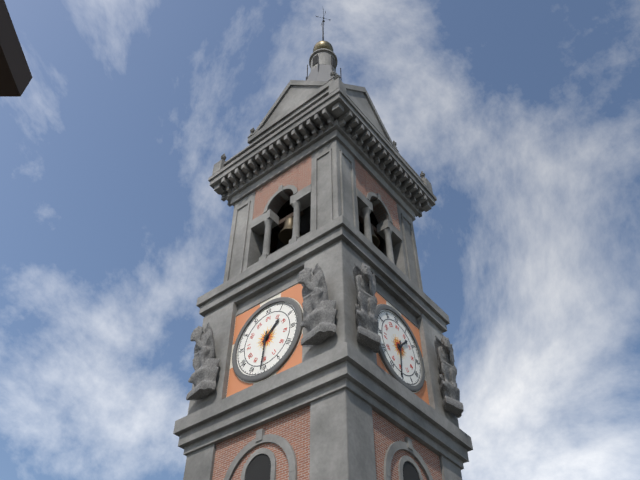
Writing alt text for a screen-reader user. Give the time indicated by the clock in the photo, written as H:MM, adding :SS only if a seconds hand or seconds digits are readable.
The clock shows 1:31
